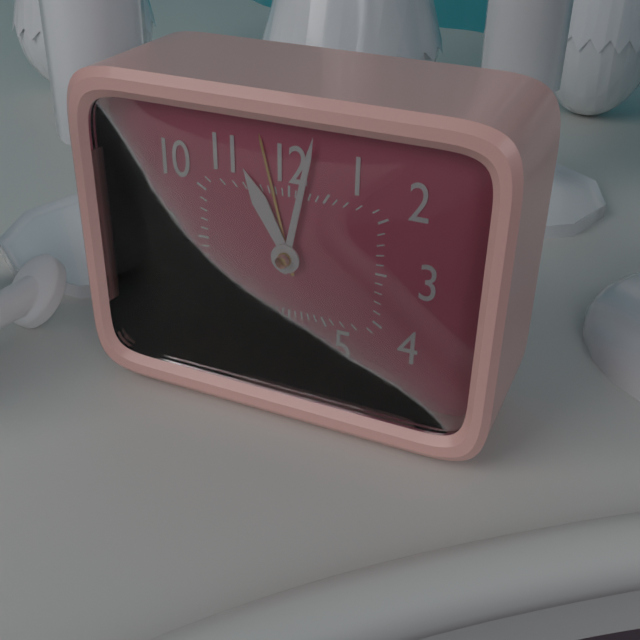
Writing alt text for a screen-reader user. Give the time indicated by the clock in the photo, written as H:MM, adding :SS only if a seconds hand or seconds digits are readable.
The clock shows 11:02
